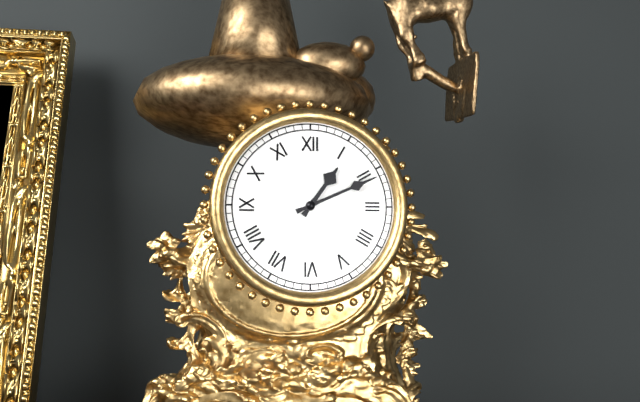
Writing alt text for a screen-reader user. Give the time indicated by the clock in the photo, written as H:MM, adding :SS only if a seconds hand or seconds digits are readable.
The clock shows 1:11
